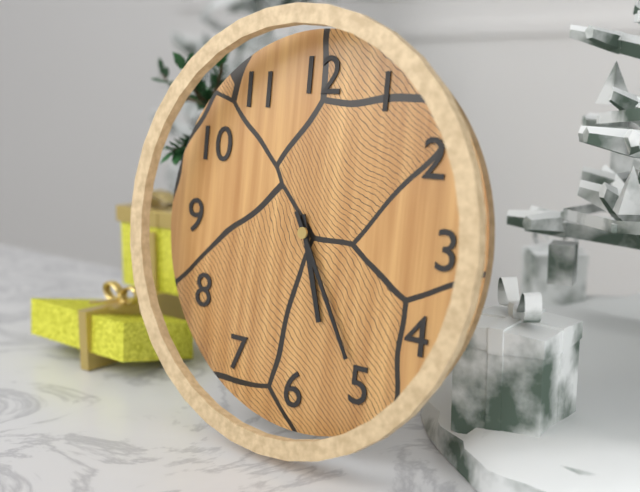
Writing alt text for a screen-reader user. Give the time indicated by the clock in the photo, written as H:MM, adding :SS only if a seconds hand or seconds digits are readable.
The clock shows 5:25
